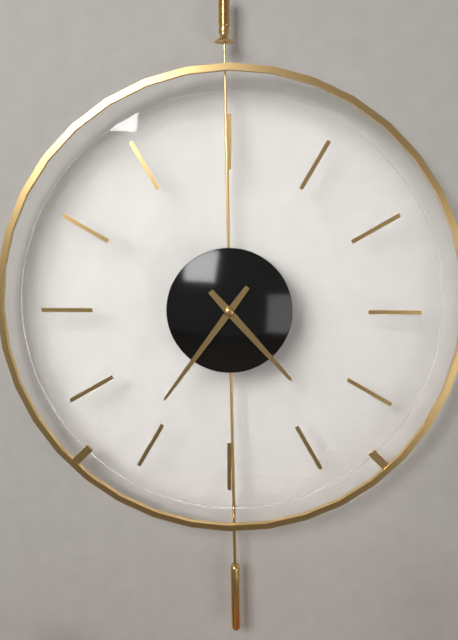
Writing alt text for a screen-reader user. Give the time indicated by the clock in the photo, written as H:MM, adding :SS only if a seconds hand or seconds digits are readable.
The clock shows 4:36
